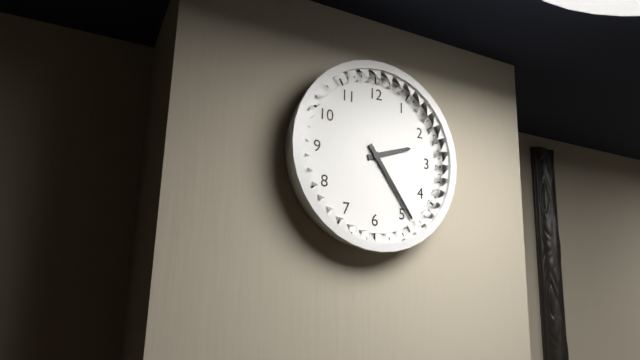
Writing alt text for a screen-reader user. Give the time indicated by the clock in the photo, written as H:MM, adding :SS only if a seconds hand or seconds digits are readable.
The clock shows 2:24
